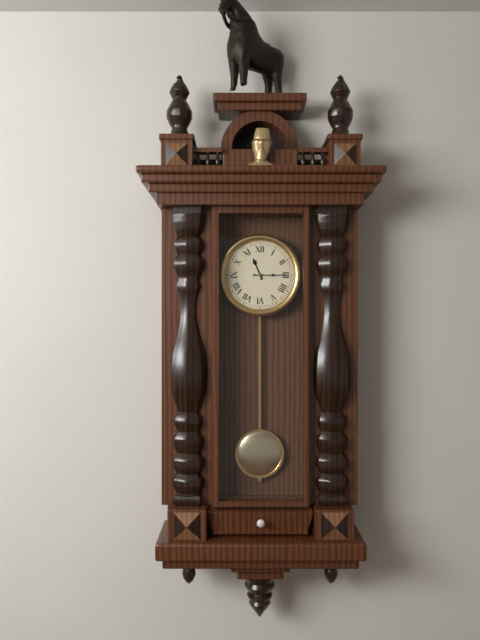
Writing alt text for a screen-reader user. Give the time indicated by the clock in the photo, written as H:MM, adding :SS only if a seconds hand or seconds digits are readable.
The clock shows 11:15
